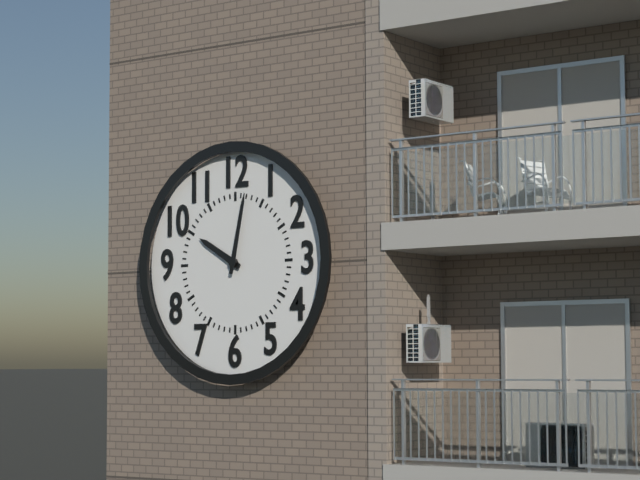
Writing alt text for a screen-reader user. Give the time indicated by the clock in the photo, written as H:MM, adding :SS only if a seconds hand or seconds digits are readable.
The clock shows 10:02
